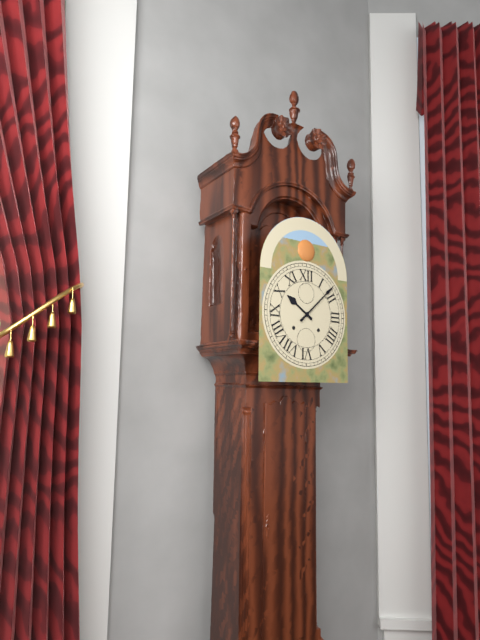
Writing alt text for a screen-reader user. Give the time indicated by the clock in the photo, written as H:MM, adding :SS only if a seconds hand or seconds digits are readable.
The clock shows 10:08
